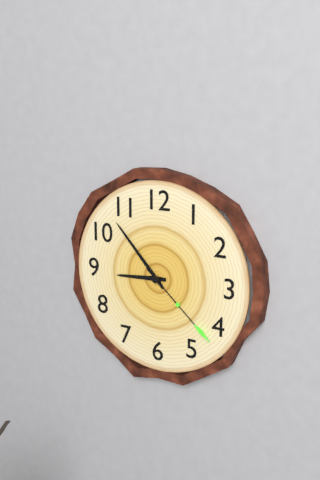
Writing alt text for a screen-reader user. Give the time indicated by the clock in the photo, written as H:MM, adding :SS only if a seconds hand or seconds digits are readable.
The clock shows 8:53:22
